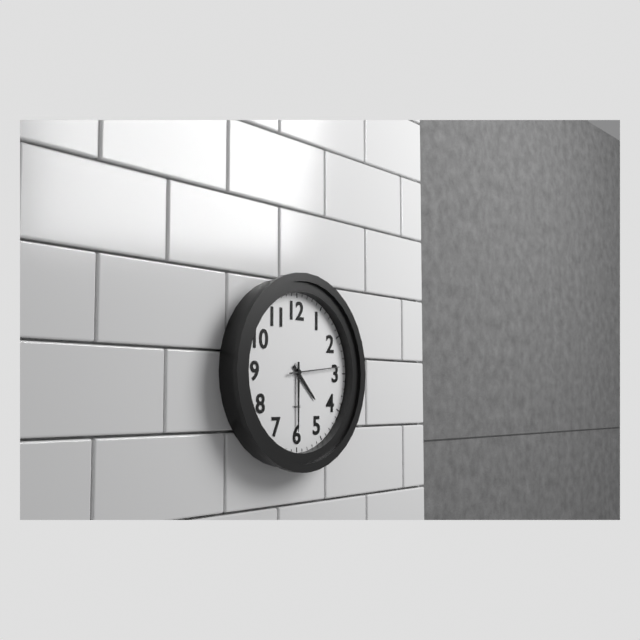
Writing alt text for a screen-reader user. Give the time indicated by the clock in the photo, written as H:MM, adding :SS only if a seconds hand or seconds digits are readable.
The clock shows 4:30:14
